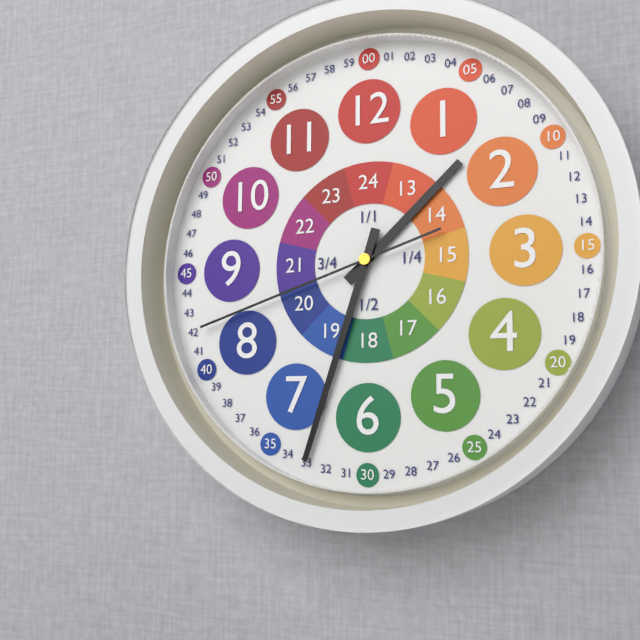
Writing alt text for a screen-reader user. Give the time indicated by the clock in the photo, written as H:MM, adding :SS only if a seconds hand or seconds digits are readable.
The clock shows 1:33:42
